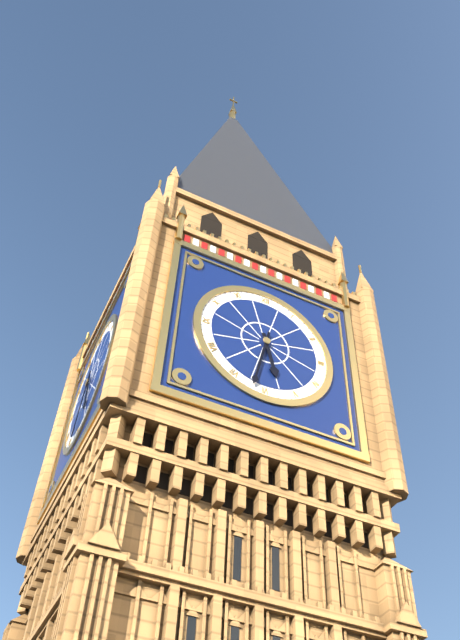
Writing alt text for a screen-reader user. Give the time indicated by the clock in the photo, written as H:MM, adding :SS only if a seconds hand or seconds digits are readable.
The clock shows 5:32
